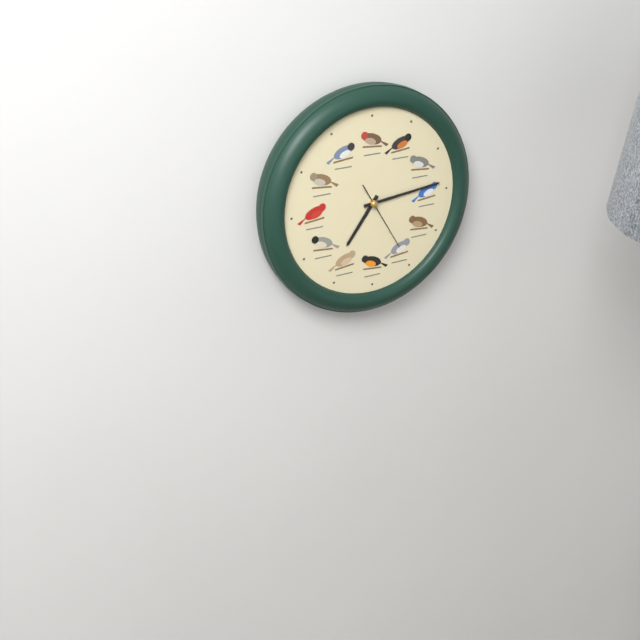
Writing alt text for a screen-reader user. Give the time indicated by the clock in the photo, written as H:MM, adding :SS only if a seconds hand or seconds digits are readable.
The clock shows 7:14:25
